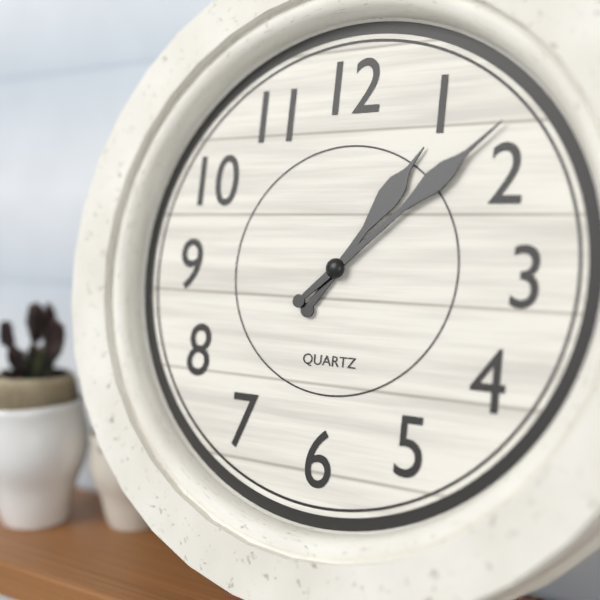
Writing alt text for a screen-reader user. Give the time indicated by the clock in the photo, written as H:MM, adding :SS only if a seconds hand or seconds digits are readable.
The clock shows 1:08
